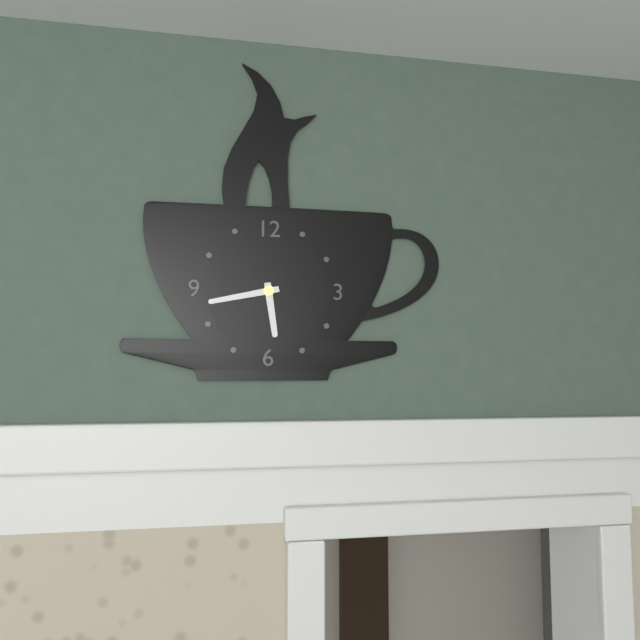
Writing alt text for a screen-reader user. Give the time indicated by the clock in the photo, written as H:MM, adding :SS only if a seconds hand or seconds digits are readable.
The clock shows 5:43
